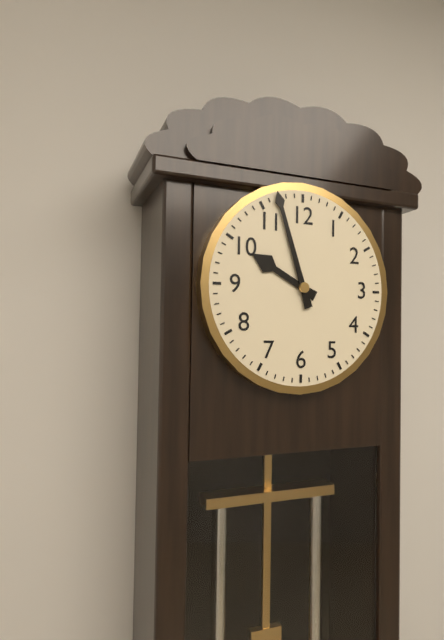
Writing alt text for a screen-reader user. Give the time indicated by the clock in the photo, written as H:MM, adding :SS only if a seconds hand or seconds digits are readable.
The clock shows 9:57
